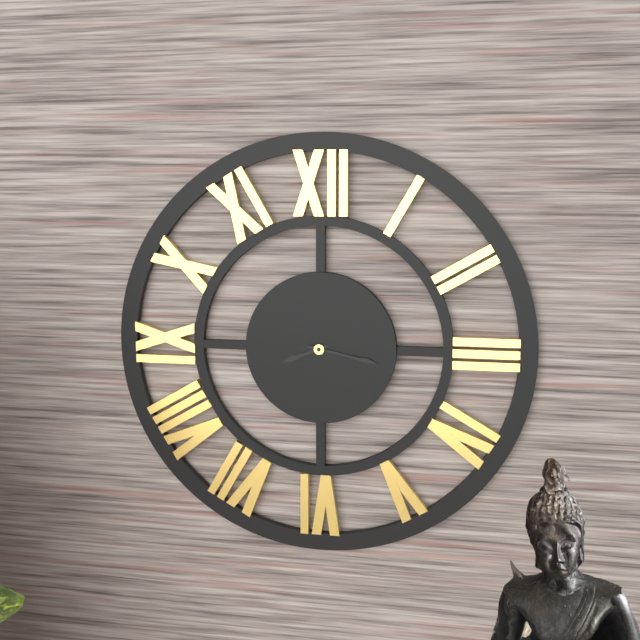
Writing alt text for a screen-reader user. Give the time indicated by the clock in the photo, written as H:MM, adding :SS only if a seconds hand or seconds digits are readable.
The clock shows 8:17
